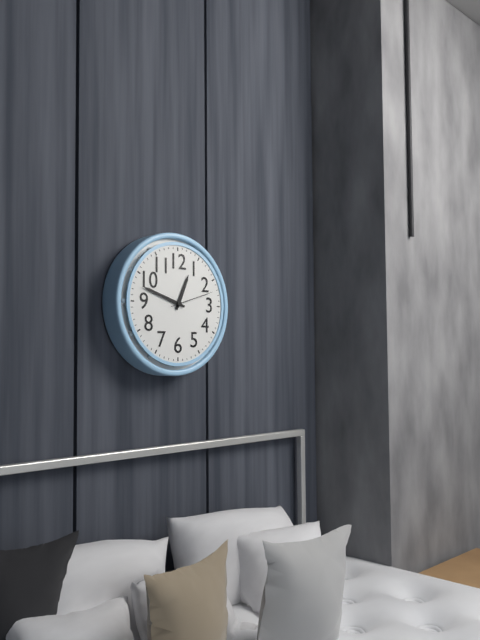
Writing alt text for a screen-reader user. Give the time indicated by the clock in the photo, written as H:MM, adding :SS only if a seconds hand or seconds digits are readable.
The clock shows 12:48
